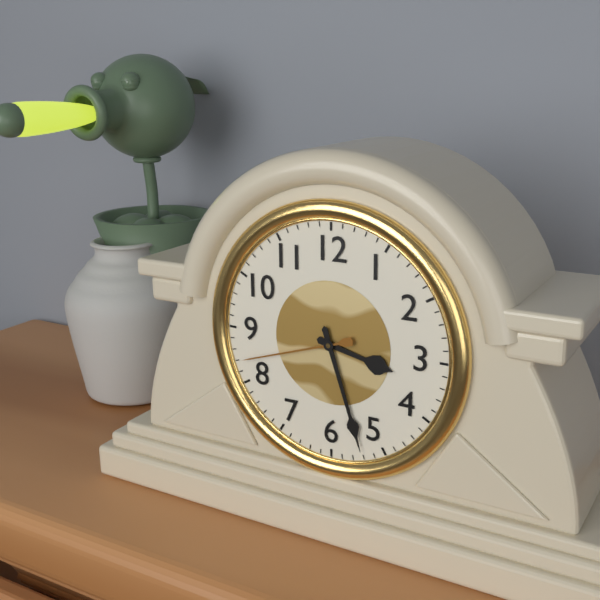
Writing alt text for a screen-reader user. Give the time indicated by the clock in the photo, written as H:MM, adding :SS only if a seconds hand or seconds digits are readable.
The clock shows 3:27:42
